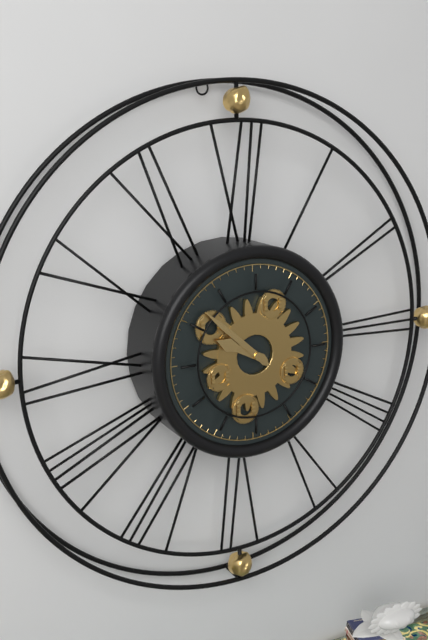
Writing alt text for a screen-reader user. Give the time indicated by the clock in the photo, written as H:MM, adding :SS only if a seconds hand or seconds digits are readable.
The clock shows 9:52
